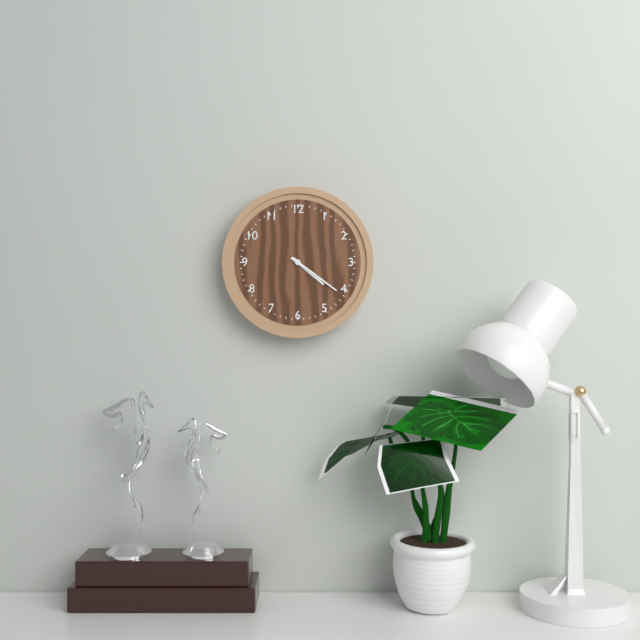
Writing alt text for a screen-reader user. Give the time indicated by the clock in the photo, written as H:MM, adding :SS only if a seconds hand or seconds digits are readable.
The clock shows 4:21
